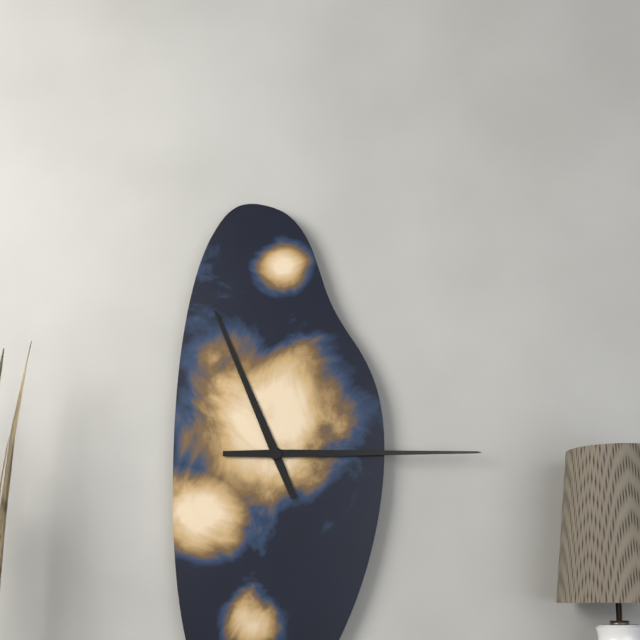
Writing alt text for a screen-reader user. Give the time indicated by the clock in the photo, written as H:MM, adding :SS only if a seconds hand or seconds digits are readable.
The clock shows 11:15
